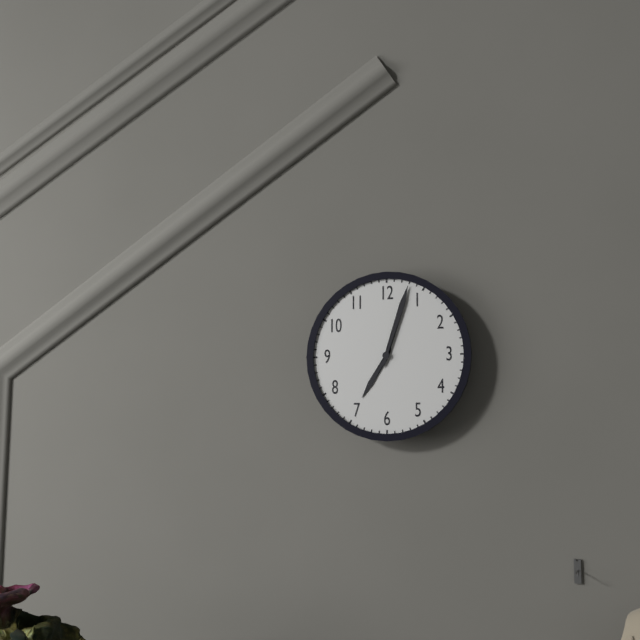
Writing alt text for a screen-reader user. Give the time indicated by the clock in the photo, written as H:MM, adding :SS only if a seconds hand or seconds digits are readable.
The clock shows 7:03
